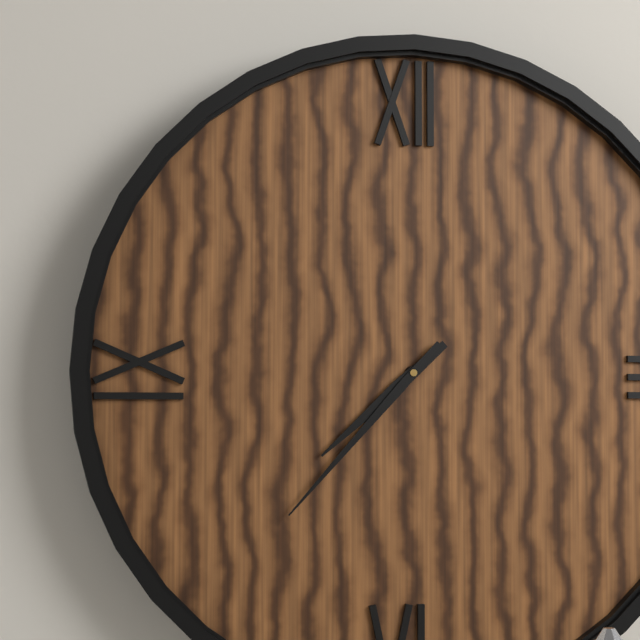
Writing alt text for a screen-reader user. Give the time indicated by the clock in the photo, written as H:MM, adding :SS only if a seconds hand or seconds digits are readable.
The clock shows 7:37
